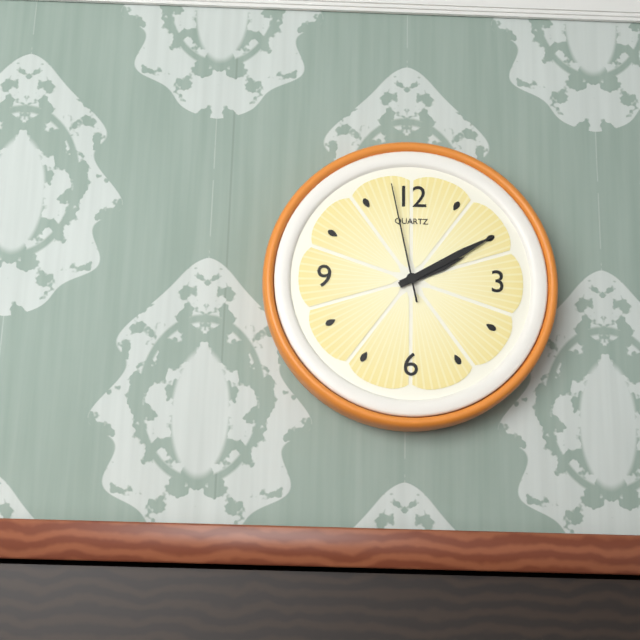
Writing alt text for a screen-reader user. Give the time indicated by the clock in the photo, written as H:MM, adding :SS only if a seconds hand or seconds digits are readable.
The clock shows 2:10:58
